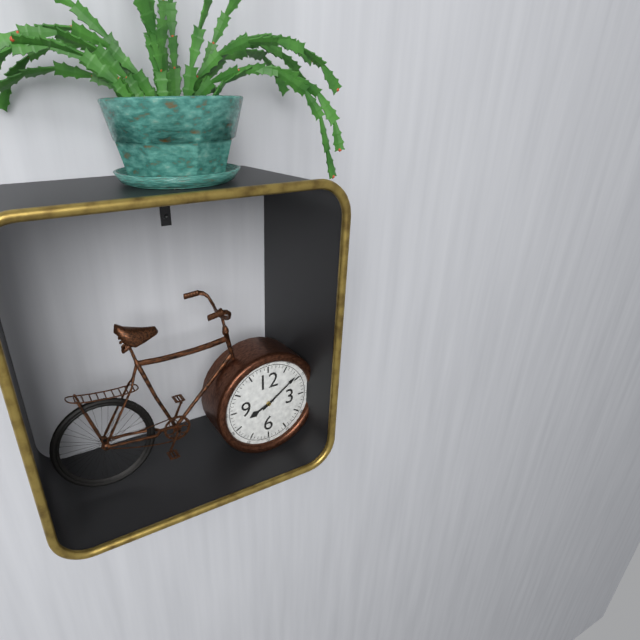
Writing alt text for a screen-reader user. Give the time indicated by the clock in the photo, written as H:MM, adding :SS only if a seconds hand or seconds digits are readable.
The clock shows 8:09
